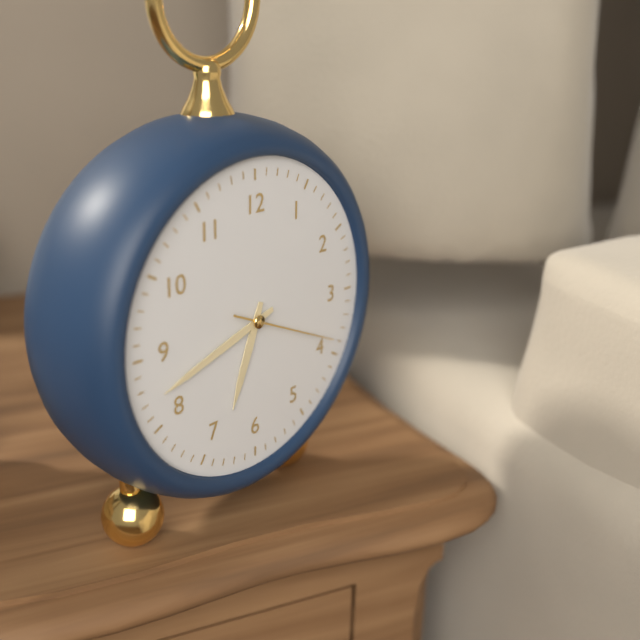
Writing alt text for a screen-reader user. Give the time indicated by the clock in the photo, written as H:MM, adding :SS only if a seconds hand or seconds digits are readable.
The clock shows 6:42:19
